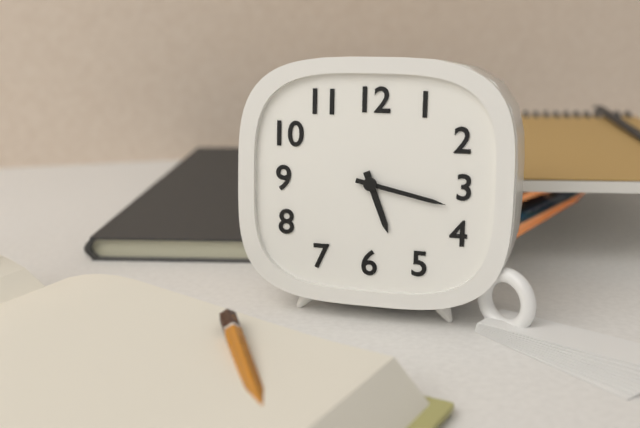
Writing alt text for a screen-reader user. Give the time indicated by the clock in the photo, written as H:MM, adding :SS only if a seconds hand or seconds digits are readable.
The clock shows 5:17
